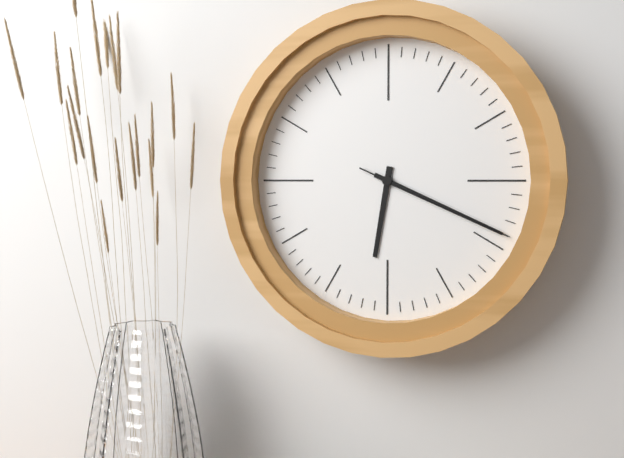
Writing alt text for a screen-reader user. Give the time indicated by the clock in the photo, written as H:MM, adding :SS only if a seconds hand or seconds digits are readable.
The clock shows 6:19:19
